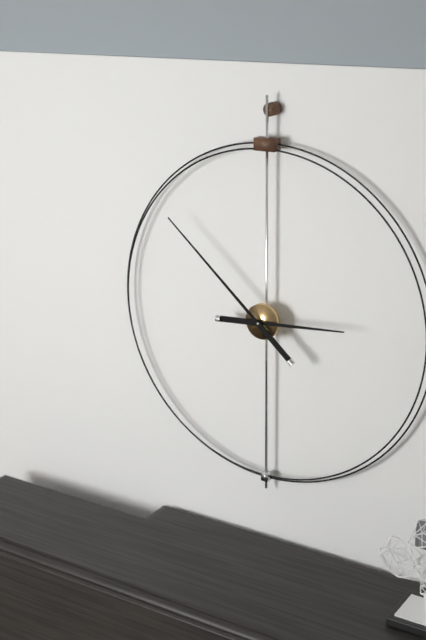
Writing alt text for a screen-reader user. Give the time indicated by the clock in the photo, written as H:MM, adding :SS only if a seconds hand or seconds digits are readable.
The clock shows 2:52
